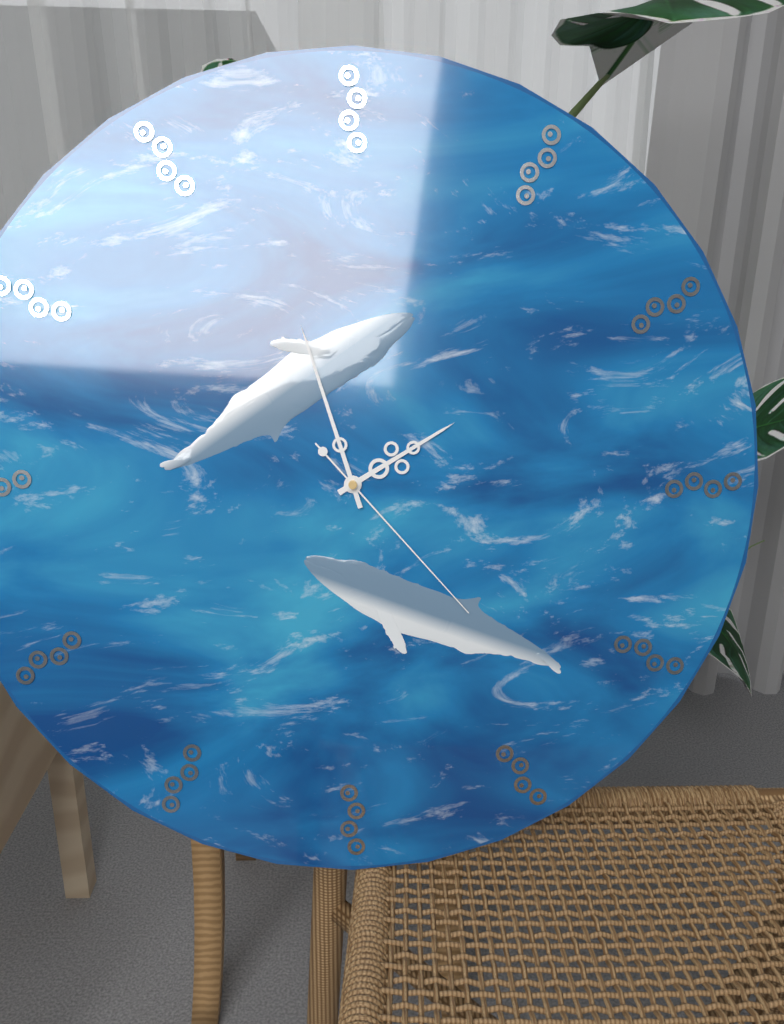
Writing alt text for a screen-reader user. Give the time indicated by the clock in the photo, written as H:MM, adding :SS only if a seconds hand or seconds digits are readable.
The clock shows 1:57:23
